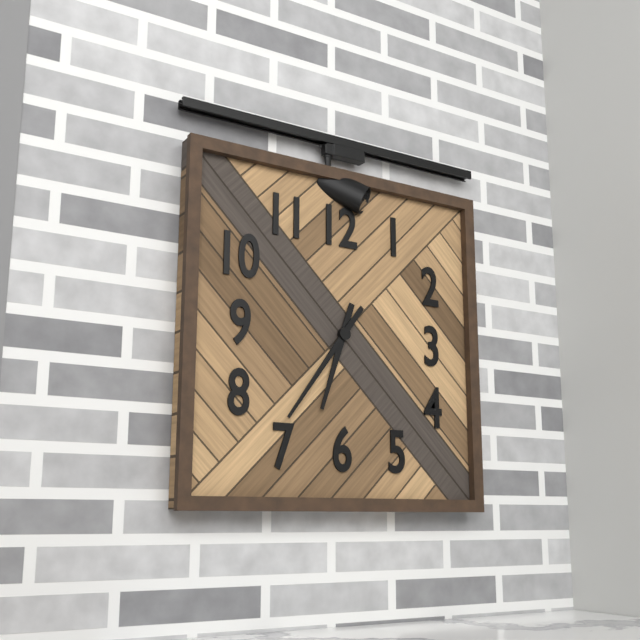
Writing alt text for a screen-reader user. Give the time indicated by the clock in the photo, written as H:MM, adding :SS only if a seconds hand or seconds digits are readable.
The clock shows 6:36
